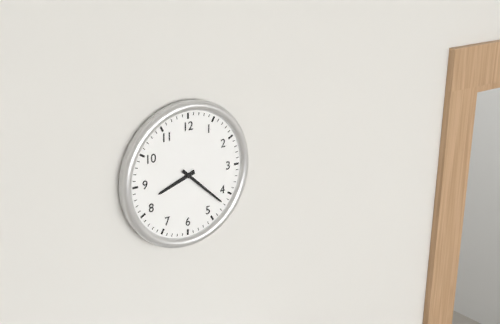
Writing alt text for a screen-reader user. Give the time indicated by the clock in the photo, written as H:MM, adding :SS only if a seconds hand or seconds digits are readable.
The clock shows 8:22
